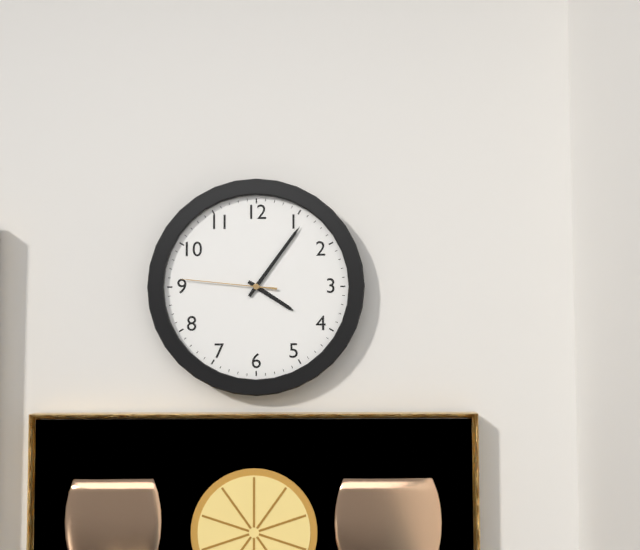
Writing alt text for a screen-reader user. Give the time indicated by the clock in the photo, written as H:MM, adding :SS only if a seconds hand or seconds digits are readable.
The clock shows 4:06:46
